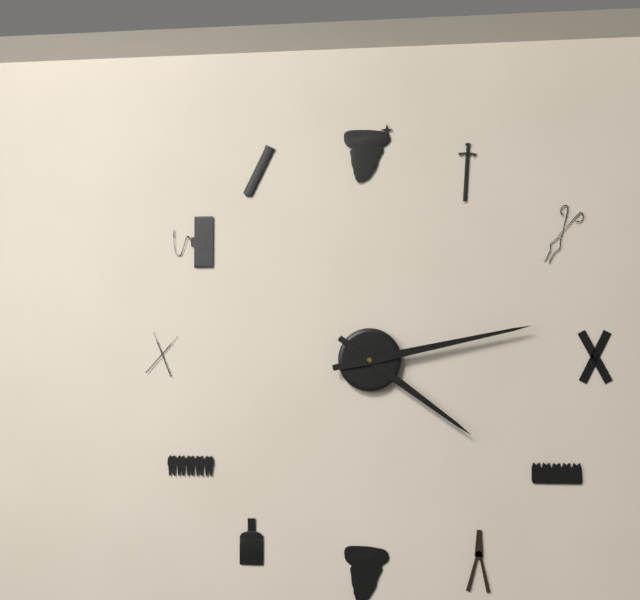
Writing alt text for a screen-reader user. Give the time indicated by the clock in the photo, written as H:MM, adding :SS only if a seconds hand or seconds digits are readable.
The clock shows 4:13
